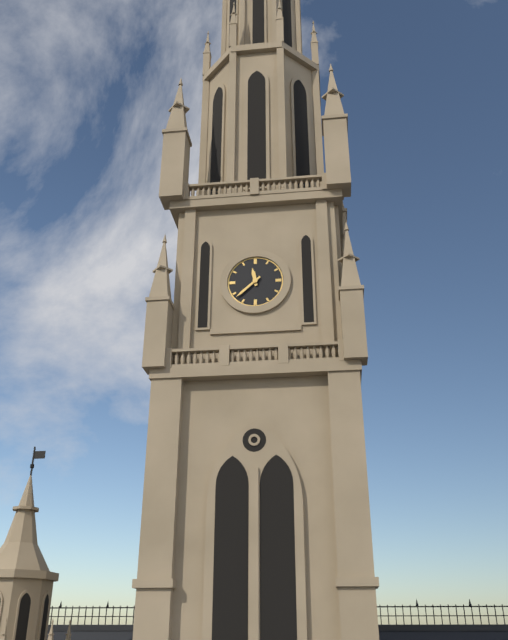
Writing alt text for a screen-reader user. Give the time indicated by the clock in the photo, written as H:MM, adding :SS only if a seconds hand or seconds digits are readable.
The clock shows 11:38
